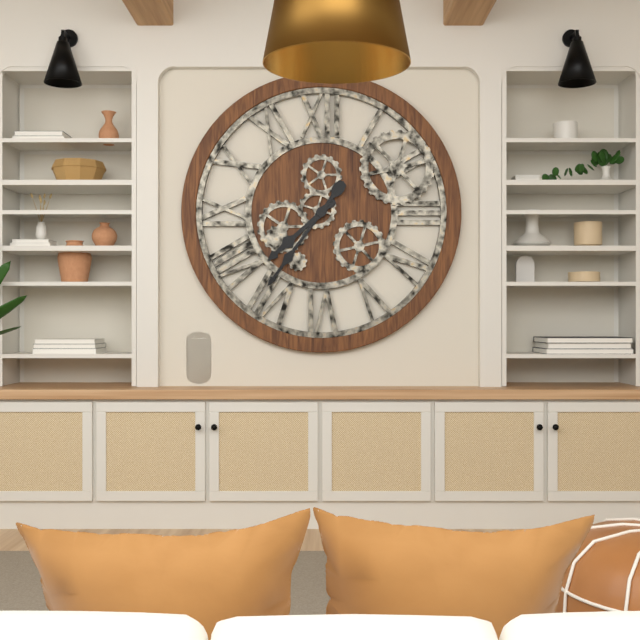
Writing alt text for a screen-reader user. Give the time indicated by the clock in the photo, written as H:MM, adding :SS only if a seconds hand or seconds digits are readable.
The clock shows 7:36
